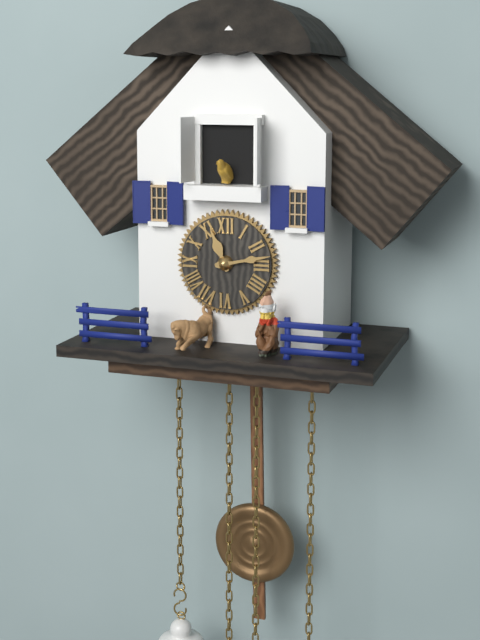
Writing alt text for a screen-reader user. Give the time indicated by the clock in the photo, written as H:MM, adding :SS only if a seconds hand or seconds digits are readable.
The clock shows 11:13
